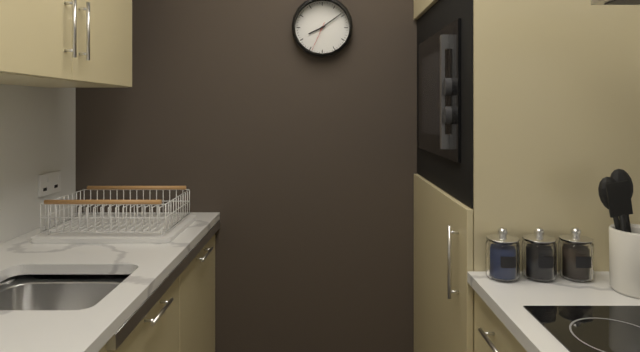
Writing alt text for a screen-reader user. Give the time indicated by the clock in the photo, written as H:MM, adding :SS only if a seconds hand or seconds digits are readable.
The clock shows 8:09
